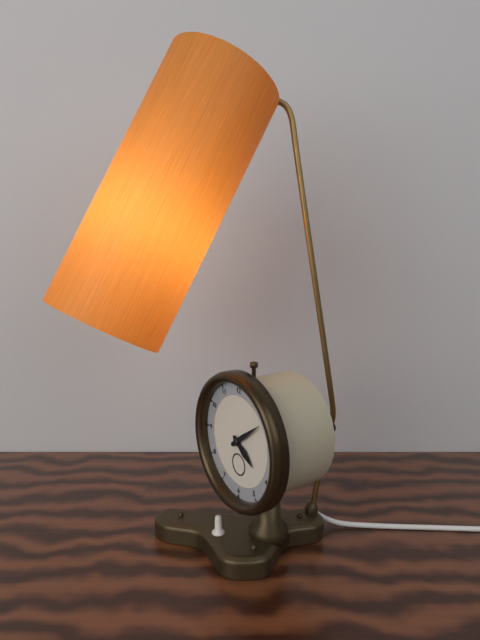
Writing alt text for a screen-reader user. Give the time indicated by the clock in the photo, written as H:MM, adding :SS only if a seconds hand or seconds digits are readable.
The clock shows 4:09
